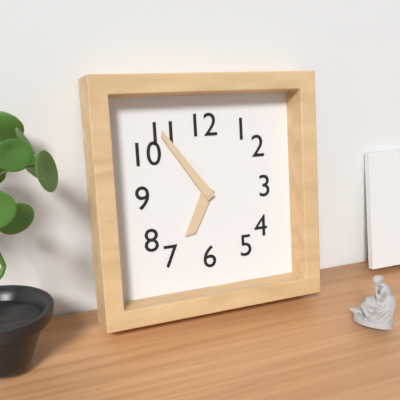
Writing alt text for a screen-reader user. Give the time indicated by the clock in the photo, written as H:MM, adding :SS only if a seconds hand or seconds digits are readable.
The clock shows 6:54
